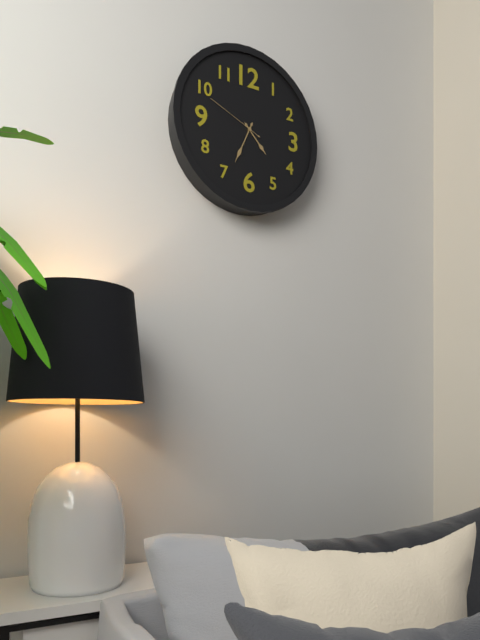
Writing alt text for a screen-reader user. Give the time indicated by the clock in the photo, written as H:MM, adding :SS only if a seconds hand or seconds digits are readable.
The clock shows 4:34:49
